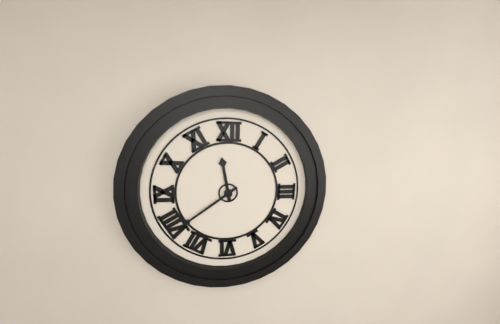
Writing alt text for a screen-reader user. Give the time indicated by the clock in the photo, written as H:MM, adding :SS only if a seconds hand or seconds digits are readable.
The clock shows 11:39
